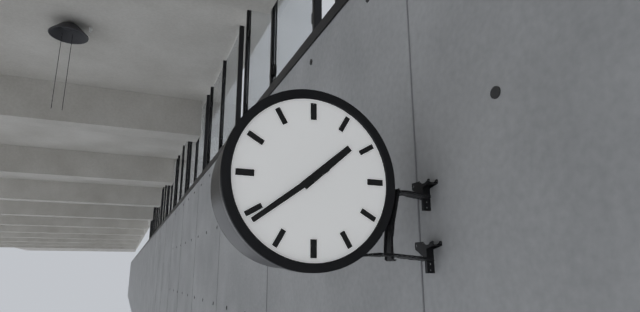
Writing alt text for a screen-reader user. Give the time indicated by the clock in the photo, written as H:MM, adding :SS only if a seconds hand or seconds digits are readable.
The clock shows 1:39
